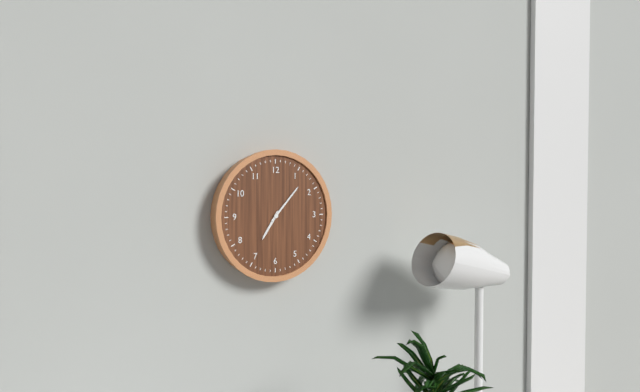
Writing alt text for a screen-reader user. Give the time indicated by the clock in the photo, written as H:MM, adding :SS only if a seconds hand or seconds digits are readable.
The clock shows 7:07
